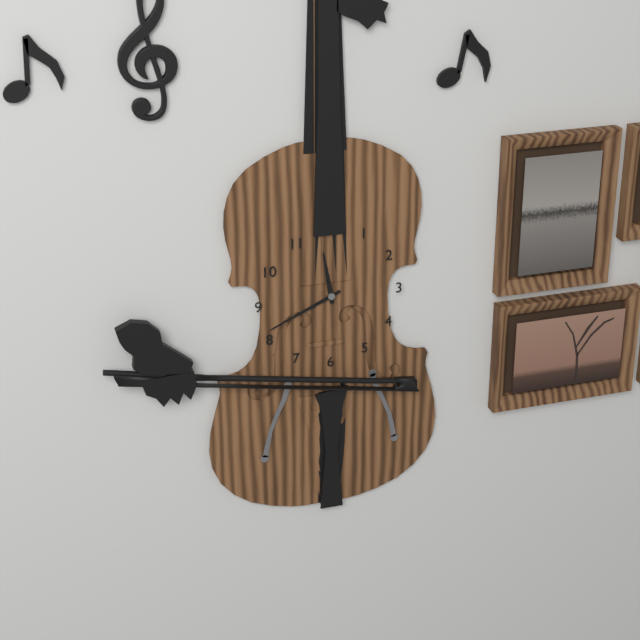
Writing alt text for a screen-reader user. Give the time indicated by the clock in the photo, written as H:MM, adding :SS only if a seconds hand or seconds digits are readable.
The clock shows 11:41
